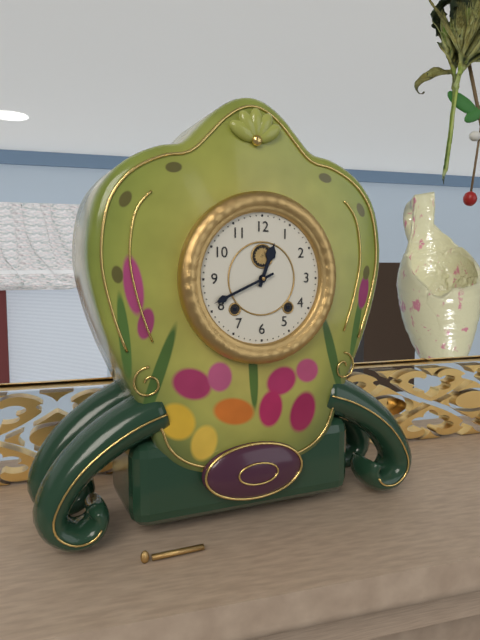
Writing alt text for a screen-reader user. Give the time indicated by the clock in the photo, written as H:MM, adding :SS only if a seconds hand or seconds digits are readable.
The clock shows 12:41
